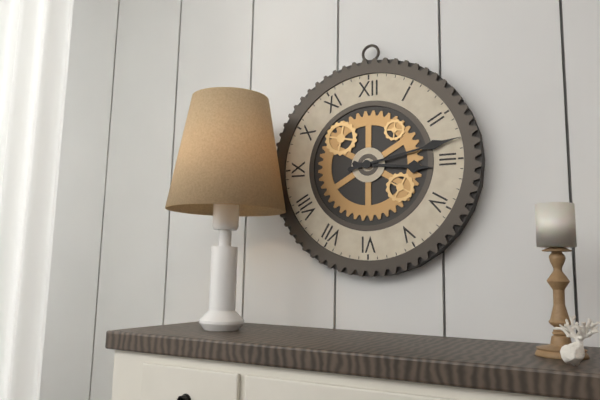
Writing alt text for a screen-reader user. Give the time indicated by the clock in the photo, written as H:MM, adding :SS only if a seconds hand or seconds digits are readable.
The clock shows 3:13
